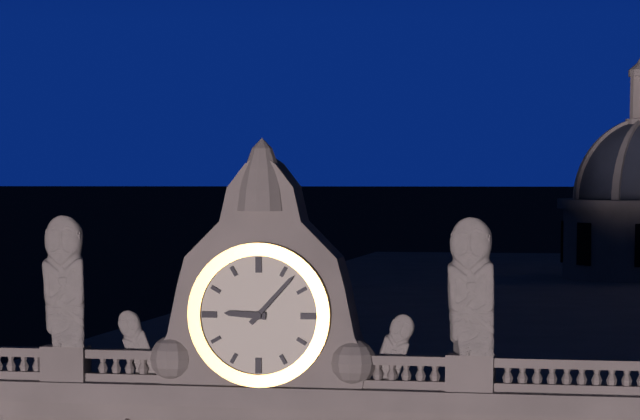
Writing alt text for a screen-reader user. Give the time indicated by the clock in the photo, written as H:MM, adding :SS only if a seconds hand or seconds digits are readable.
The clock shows 9:07
